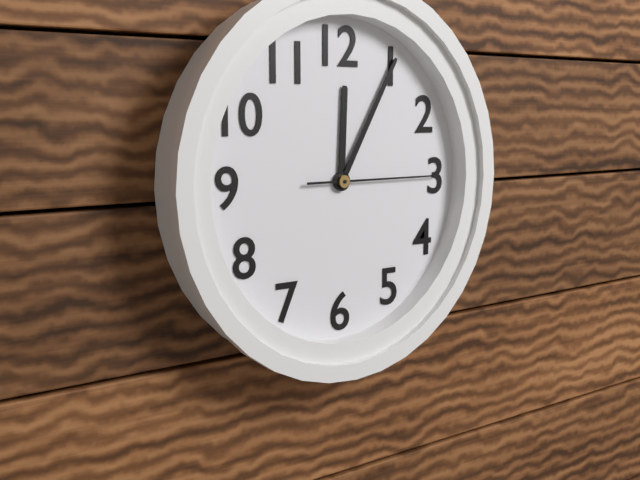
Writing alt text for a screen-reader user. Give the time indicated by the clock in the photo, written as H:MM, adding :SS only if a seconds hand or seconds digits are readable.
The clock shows 12:05:15
